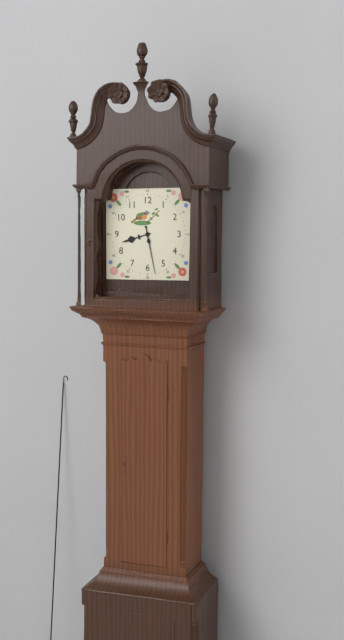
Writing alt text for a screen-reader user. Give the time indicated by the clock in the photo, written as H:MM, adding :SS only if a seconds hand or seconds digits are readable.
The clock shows 8:28
